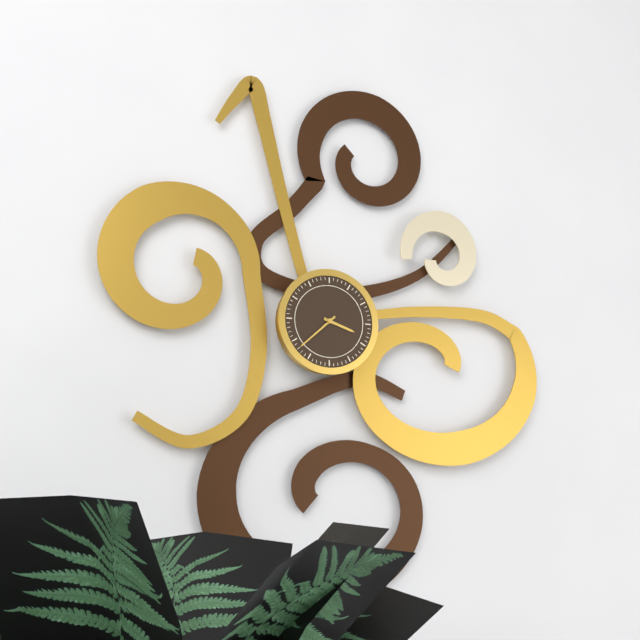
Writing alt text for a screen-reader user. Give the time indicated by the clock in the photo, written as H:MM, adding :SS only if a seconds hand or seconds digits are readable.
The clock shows 3:38
